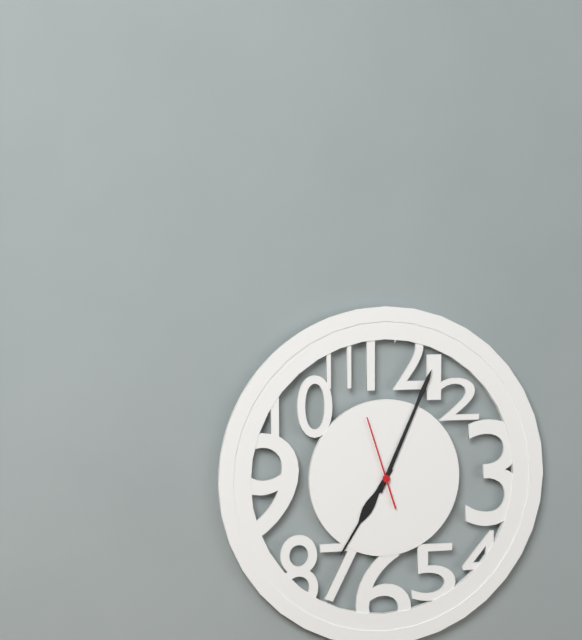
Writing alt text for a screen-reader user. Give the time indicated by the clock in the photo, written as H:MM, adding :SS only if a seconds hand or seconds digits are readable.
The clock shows 7:04:57
